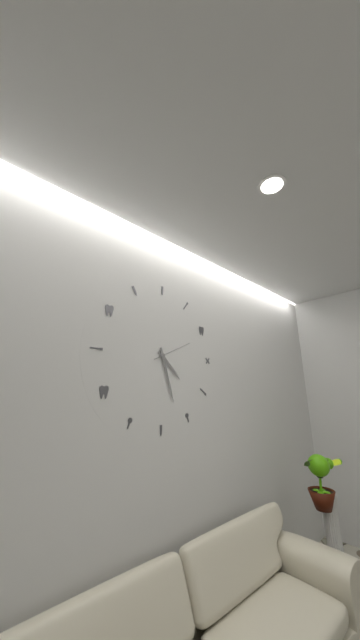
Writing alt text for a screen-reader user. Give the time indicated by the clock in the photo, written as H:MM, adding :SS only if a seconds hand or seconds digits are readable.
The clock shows 4:27
